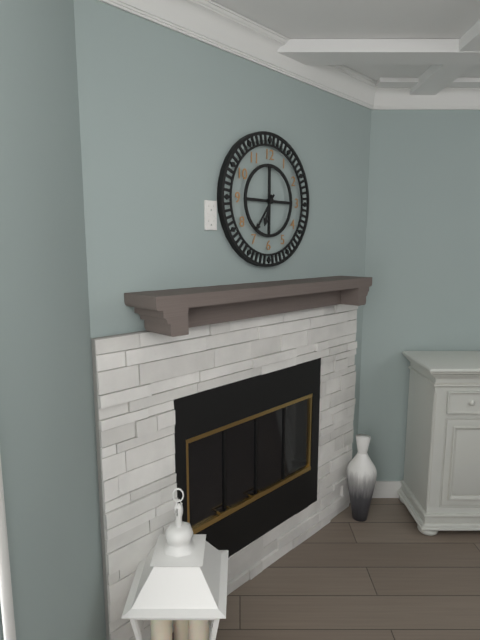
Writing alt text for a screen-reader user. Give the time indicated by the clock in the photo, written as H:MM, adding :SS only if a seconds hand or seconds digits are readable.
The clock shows 6:36
